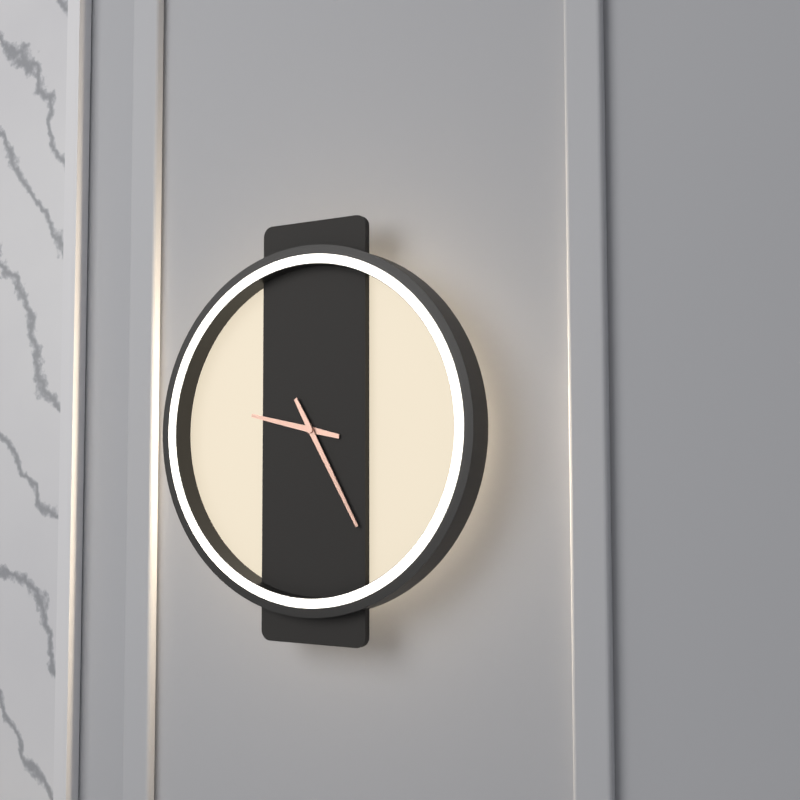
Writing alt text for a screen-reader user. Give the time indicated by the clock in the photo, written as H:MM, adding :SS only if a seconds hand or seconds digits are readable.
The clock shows 9:25
